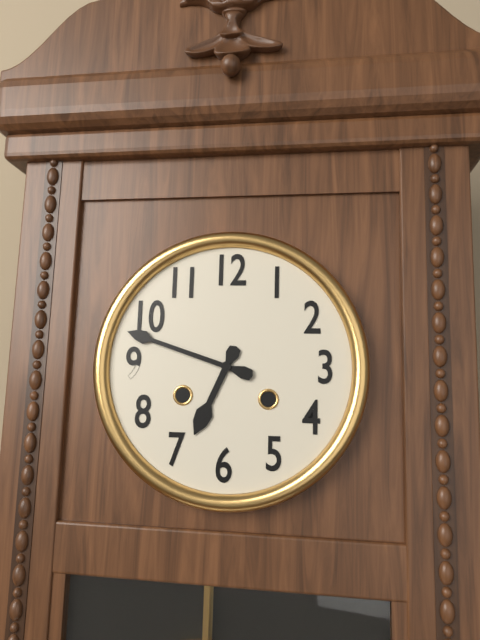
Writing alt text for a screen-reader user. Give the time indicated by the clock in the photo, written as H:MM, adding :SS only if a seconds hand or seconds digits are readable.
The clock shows 6:48
